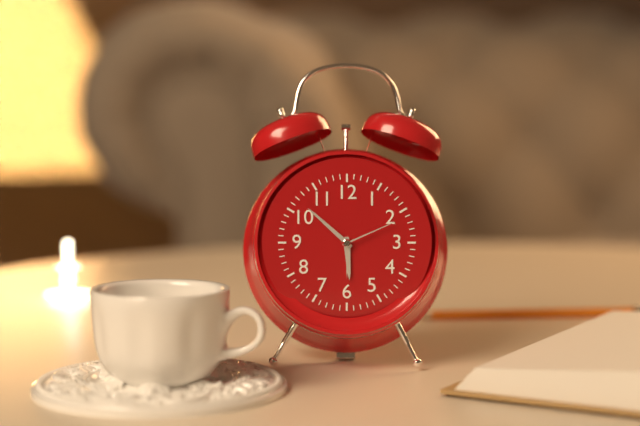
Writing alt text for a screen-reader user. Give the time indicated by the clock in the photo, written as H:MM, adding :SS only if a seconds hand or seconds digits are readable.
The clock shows 5:52:11
